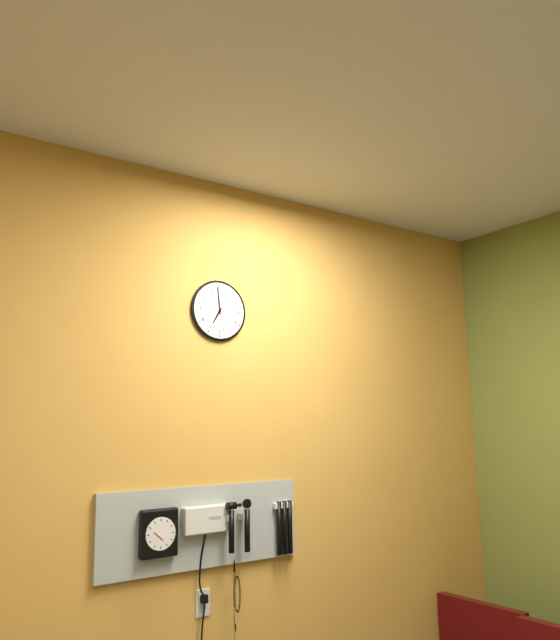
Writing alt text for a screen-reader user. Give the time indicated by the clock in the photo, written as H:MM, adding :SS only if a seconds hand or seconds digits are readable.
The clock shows 6:59
